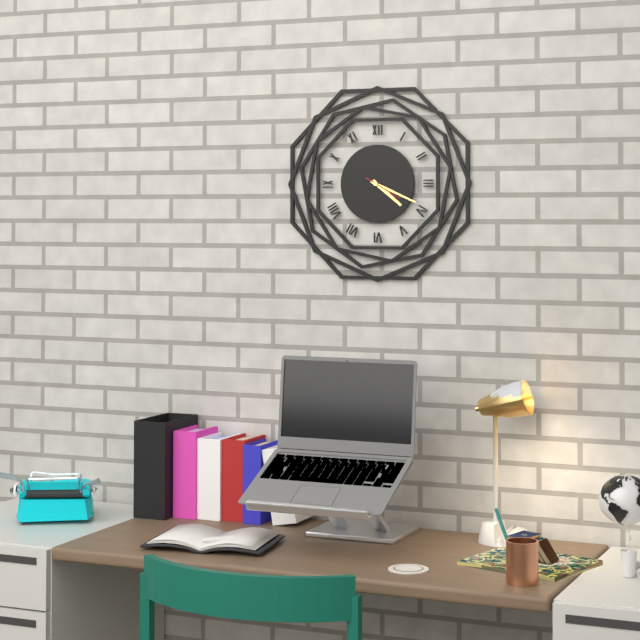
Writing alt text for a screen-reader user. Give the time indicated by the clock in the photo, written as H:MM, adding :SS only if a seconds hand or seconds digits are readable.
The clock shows 4:19
